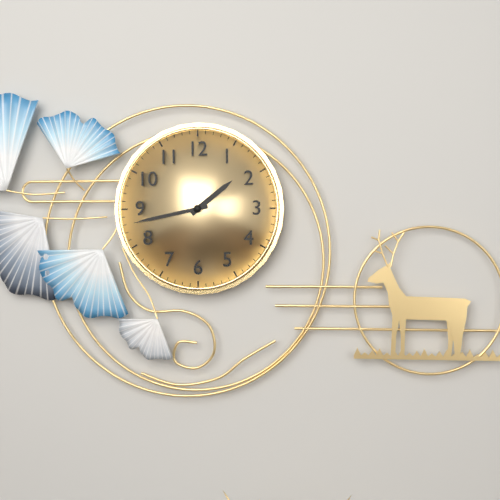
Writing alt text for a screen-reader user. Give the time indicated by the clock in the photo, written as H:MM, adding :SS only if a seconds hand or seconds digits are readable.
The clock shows 1:43
